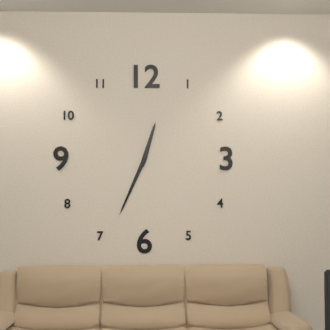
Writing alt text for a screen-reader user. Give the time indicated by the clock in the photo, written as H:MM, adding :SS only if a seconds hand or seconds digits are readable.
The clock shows 12:34
